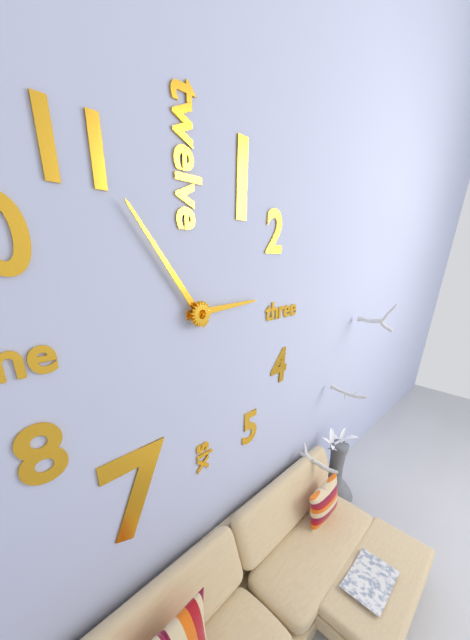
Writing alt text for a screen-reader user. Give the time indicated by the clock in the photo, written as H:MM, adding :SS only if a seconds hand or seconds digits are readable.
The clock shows 2:54
